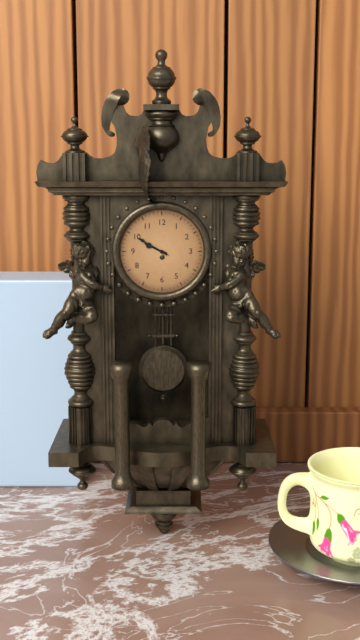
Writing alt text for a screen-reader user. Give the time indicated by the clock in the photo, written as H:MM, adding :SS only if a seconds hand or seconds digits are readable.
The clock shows 9:50
